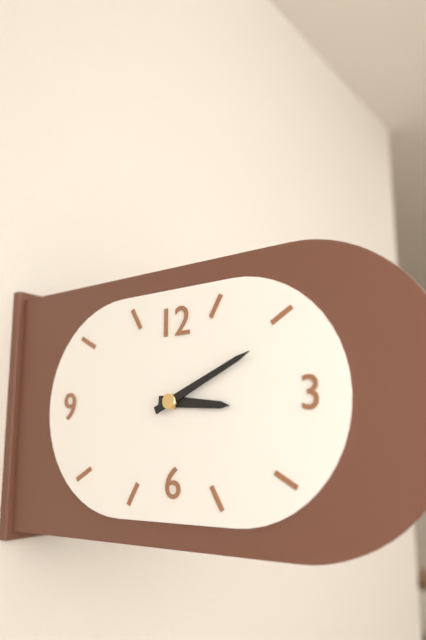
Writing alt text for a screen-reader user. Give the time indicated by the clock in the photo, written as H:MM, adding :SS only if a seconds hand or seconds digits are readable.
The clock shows 3:11
